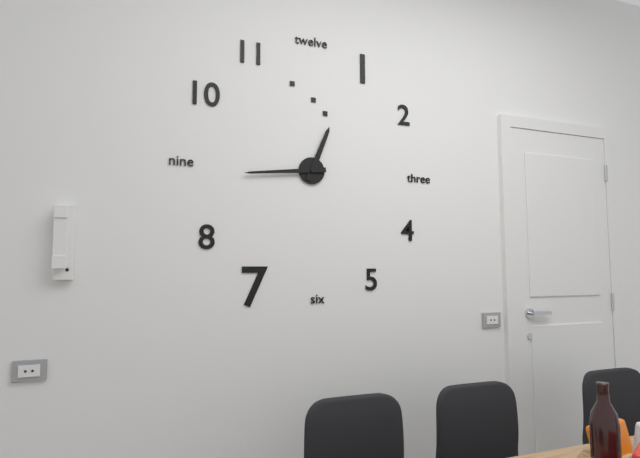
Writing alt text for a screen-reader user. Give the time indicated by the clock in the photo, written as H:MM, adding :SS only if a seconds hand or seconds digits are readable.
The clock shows 12:44
